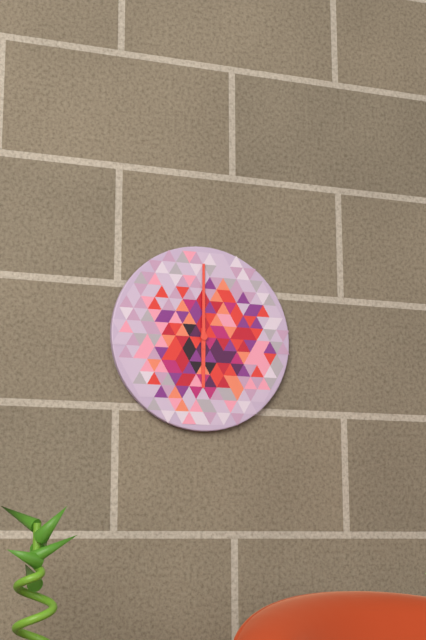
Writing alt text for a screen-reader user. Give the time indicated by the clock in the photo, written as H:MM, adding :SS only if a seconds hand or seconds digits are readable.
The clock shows 6:00
